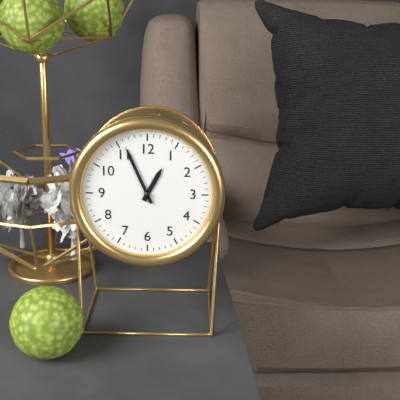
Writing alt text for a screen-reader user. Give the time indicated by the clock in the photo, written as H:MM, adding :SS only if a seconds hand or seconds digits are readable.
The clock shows 12:56
